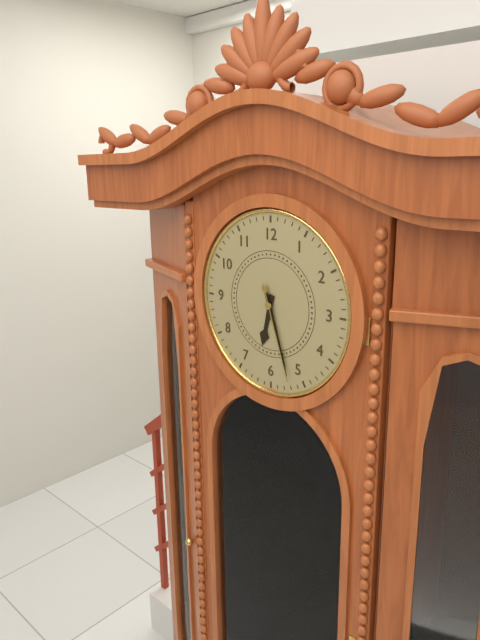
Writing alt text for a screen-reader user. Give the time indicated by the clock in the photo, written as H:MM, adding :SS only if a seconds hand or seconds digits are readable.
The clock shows 6:27:27
